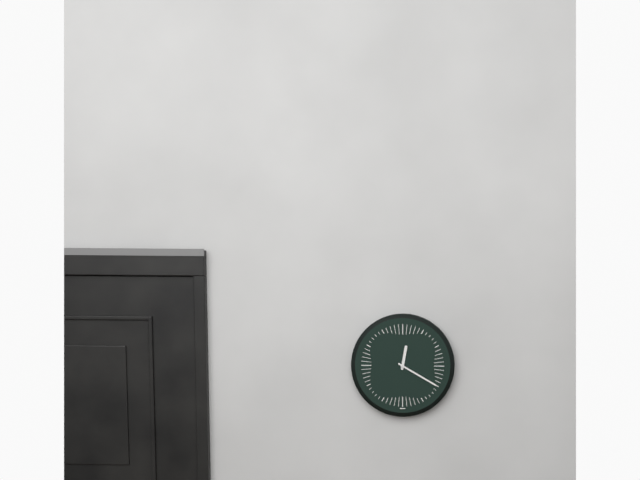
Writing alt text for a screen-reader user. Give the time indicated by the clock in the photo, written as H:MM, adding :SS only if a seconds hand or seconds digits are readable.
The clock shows 12:20
